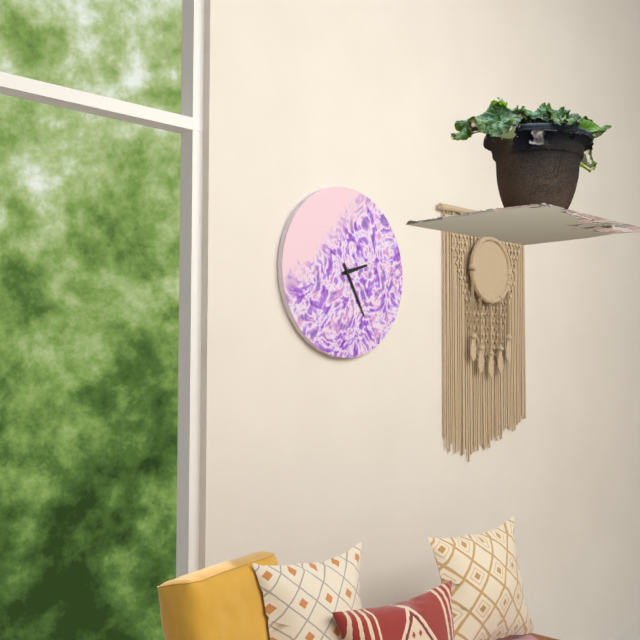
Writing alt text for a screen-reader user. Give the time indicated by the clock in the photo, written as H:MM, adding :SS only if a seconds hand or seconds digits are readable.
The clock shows 2:25
